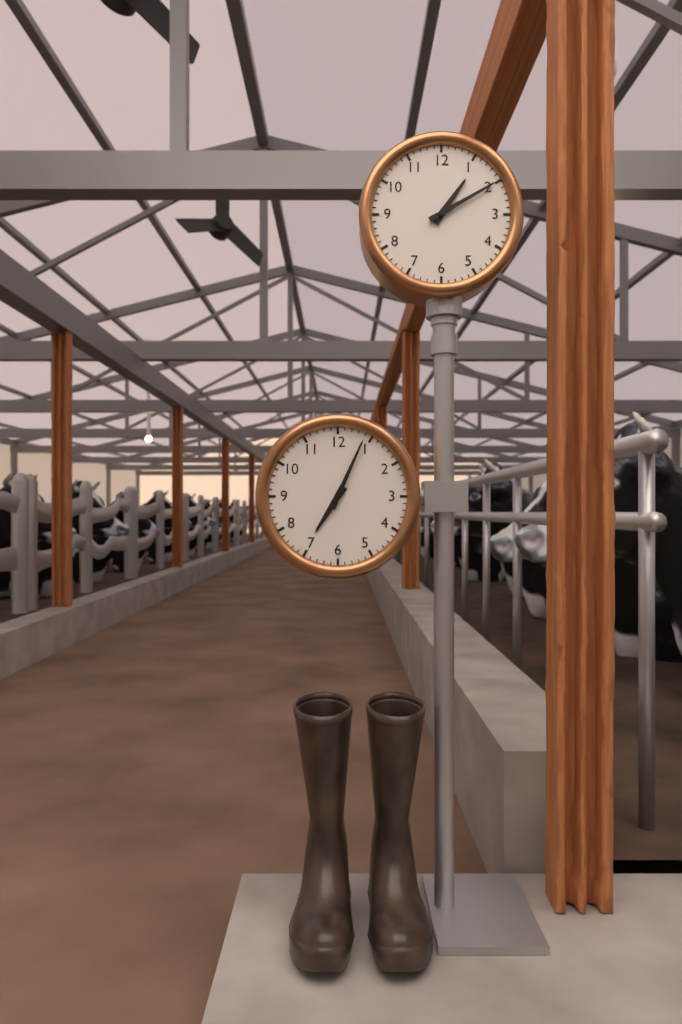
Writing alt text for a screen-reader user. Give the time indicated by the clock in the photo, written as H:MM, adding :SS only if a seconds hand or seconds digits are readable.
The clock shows 1:10
